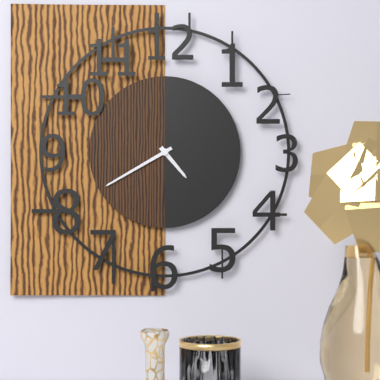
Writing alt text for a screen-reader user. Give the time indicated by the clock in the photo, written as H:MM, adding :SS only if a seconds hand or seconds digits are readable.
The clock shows 4:40
